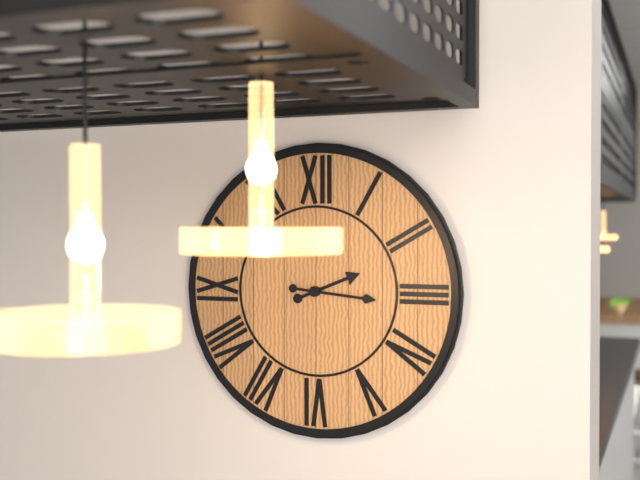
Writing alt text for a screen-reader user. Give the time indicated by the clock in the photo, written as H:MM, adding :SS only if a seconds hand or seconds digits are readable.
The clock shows 2:16
